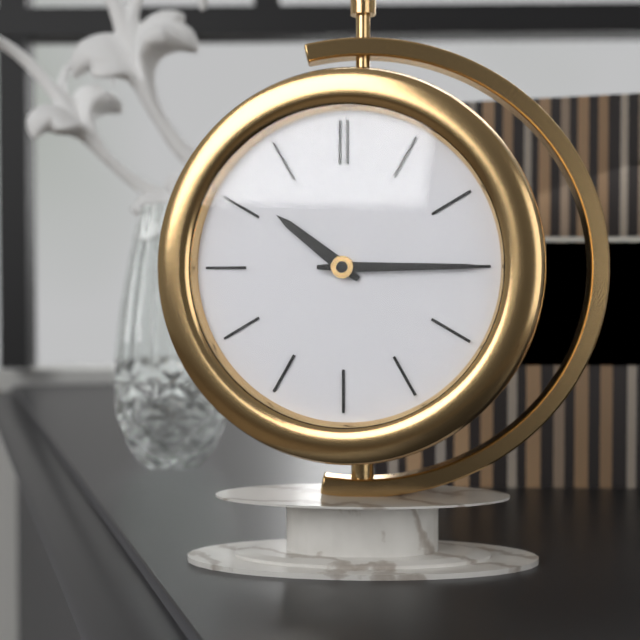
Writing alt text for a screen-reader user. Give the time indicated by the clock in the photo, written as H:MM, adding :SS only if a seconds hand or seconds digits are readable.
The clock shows 10:15
